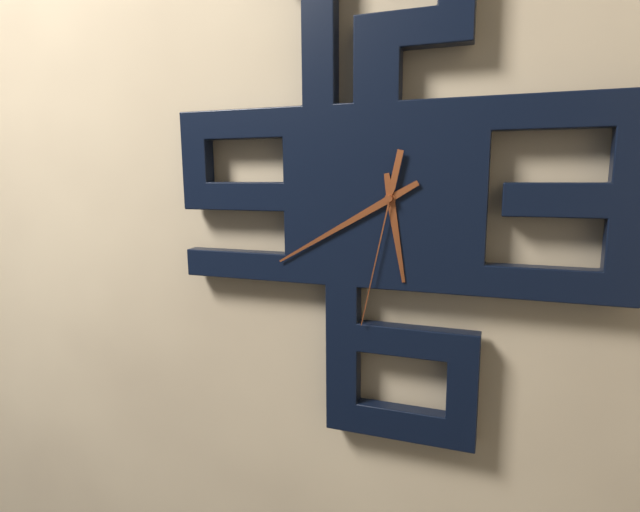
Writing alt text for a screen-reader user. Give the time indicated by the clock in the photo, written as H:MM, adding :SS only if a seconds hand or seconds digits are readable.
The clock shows 5:40:32
